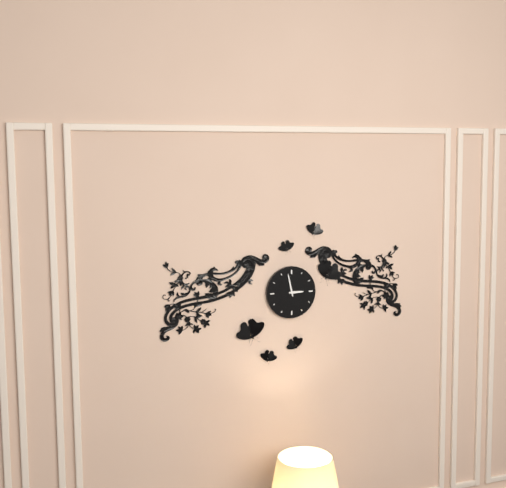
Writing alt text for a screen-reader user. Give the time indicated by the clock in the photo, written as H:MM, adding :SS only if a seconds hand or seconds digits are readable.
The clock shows 2:58
